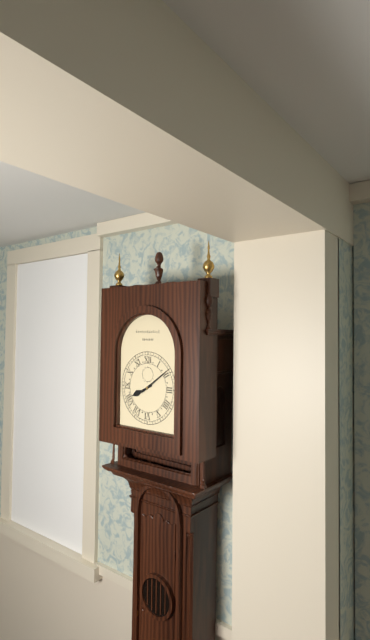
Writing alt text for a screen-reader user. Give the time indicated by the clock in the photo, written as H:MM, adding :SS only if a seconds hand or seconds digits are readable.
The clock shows 8:09
